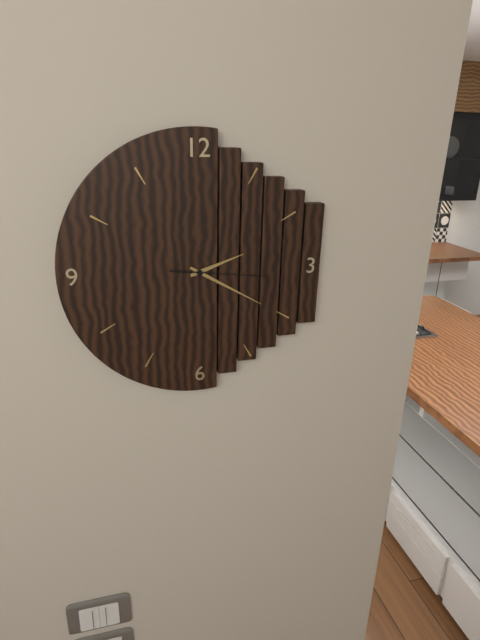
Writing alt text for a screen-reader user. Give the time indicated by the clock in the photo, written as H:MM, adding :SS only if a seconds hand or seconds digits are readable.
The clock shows 2:20:16
